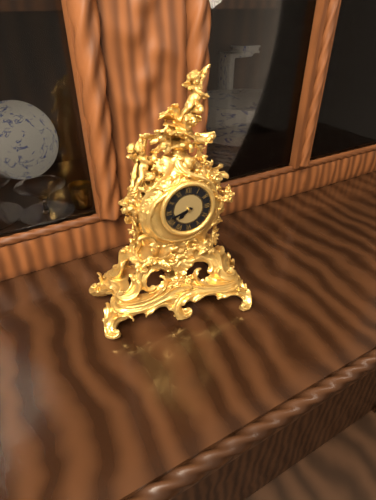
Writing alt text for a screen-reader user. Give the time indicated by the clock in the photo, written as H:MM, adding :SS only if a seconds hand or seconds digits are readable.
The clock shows 7:42
